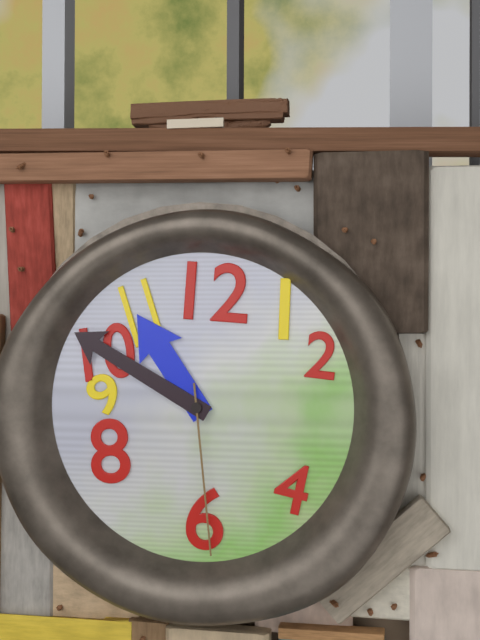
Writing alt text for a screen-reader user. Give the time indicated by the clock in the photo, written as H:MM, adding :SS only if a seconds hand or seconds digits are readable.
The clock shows 10:50:29
